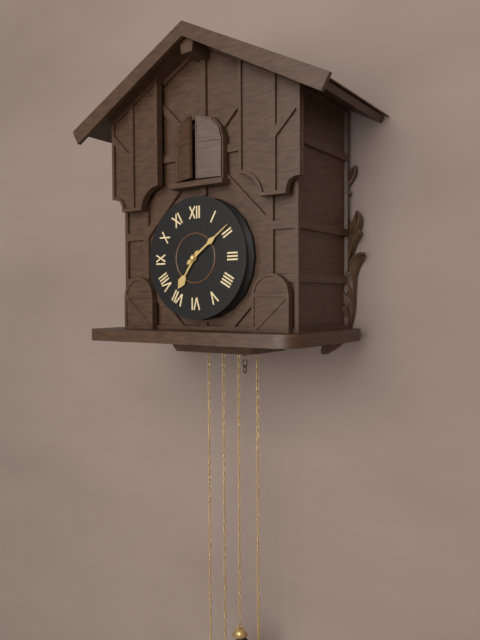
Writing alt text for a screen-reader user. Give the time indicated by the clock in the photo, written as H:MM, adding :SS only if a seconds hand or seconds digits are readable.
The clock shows 7:09
